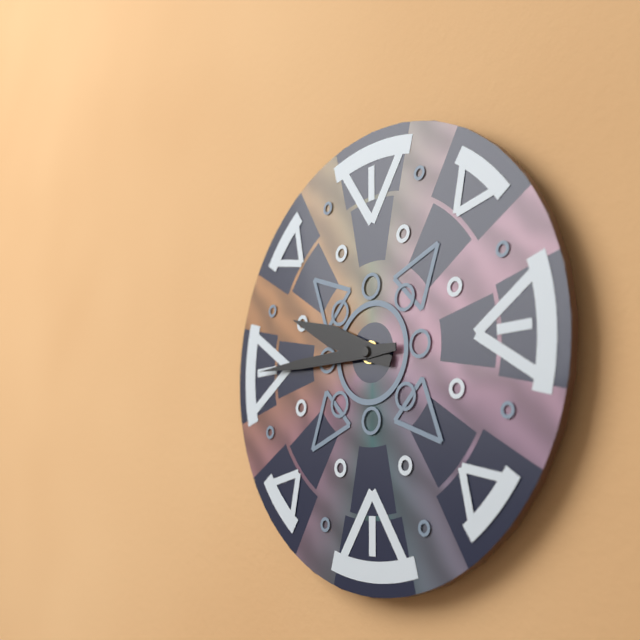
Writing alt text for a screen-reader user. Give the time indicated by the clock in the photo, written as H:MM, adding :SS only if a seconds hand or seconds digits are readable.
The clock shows 9:45
